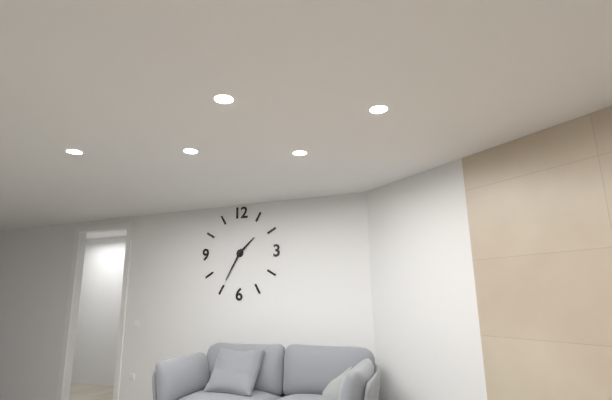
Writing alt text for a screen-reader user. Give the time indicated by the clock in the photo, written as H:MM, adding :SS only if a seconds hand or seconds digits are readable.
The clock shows 1:35
